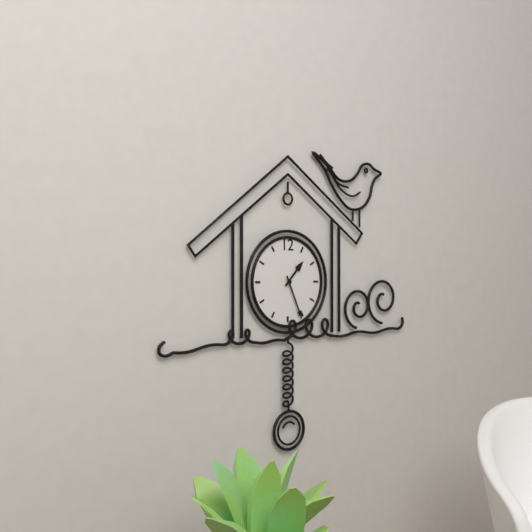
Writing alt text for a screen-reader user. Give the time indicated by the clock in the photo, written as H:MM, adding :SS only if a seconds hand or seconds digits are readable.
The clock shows 1:26
